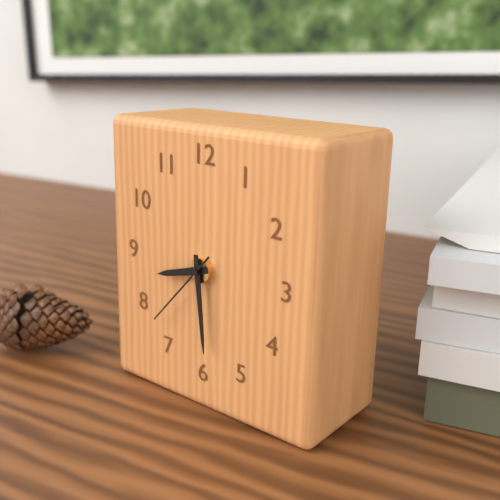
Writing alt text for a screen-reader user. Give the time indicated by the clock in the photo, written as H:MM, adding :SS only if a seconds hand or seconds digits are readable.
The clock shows 8:29:37
